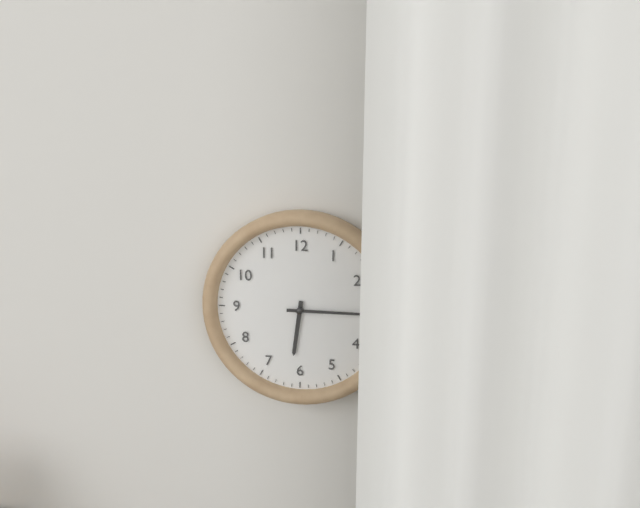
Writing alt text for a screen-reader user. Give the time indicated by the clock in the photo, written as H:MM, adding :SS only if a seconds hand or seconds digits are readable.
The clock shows 6:15
